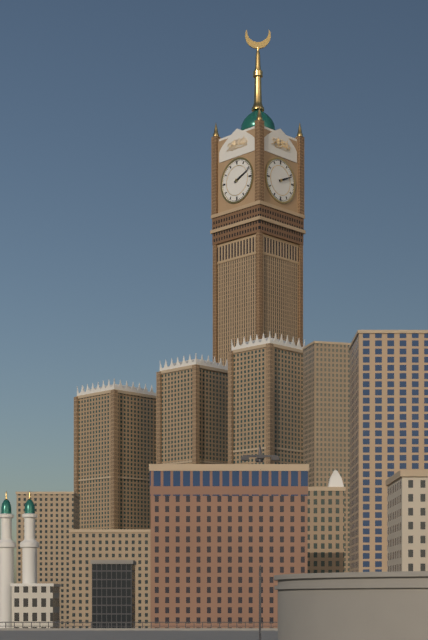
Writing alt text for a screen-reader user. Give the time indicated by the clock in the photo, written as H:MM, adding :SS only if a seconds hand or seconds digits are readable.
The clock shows 2:11
